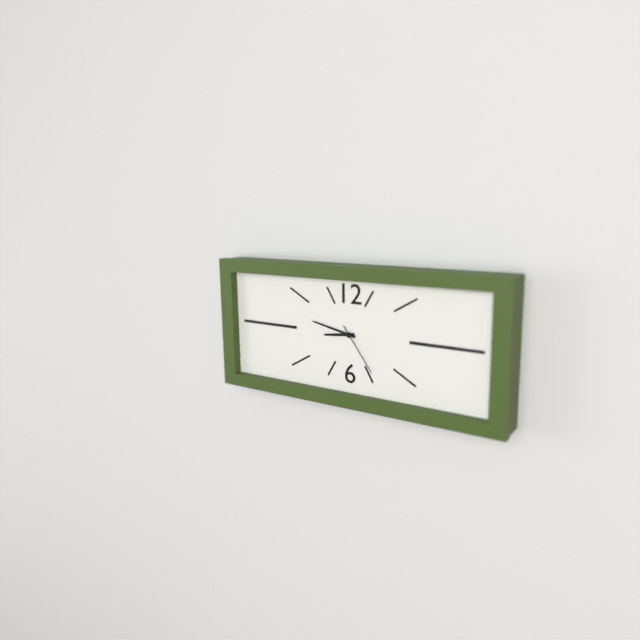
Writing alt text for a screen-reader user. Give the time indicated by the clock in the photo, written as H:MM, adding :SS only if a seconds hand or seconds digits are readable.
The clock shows 8:47:24
